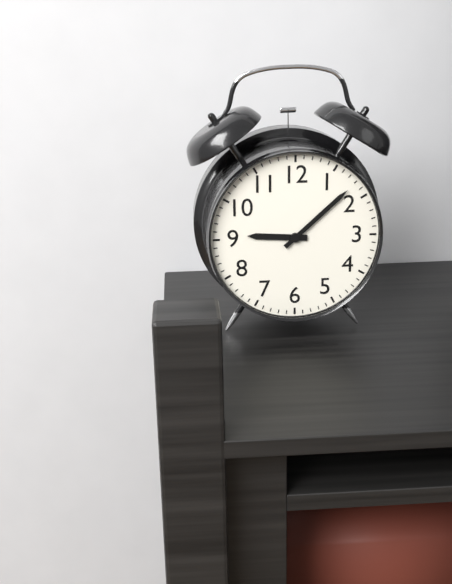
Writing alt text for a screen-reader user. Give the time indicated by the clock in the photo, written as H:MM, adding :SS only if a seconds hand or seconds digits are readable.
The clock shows 9:08
